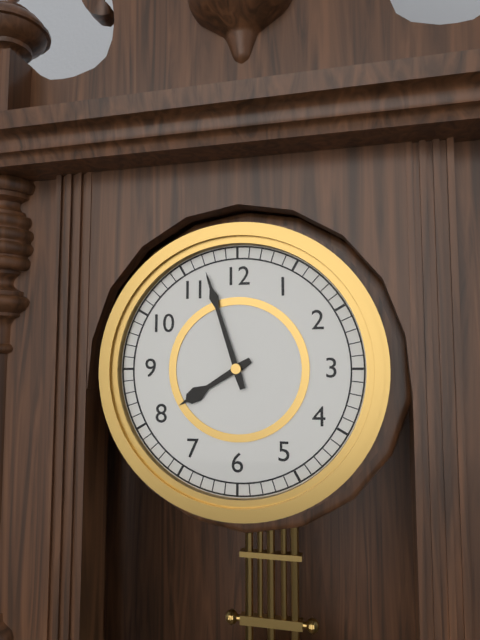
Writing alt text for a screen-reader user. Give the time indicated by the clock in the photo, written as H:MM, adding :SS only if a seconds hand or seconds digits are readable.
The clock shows 7:57
